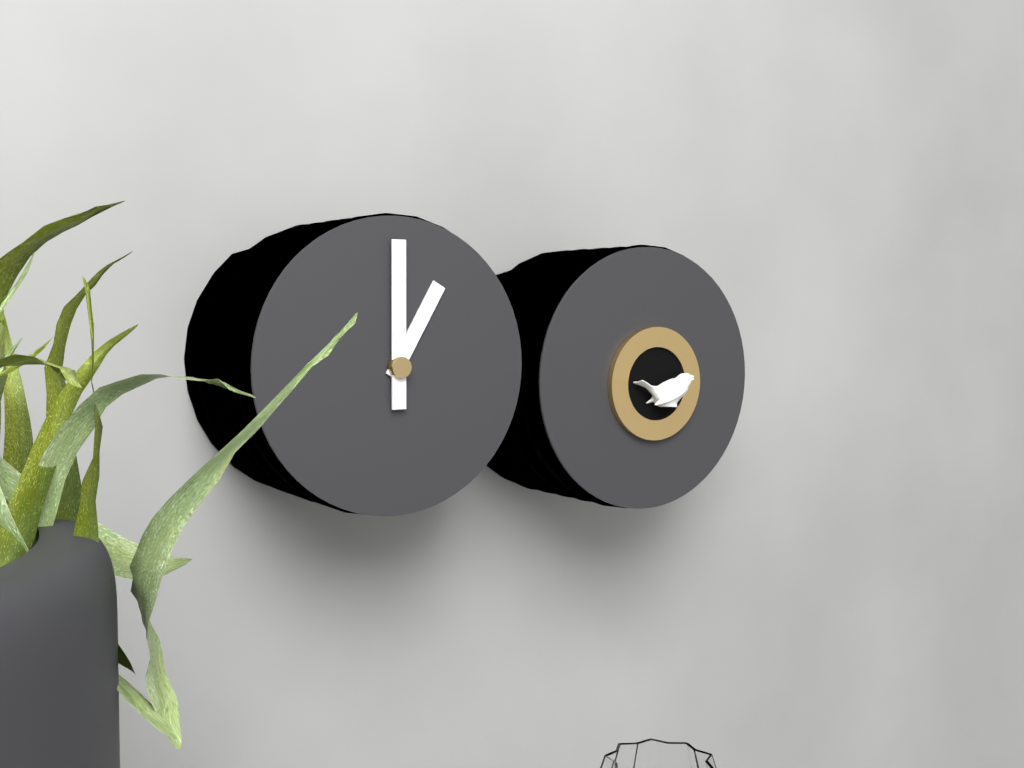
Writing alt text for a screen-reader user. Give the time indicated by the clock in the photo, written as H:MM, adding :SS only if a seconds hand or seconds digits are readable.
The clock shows 1:00
